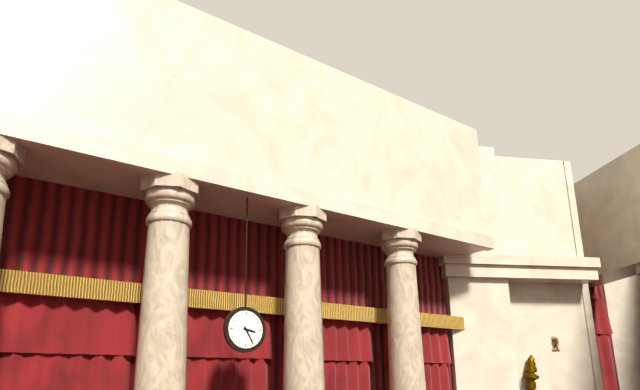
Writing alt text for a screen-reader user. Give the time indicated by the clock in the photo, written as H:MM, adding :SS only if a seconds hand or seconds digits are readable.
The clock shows 3:25
